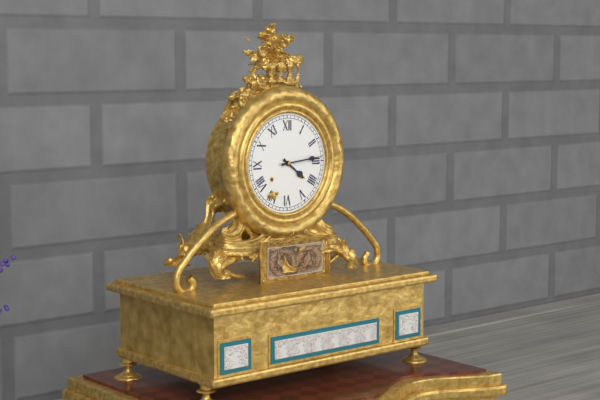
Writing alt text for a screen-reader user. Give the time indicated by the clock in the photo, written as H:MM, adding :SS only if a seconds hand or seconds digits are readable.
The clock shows 4:14
